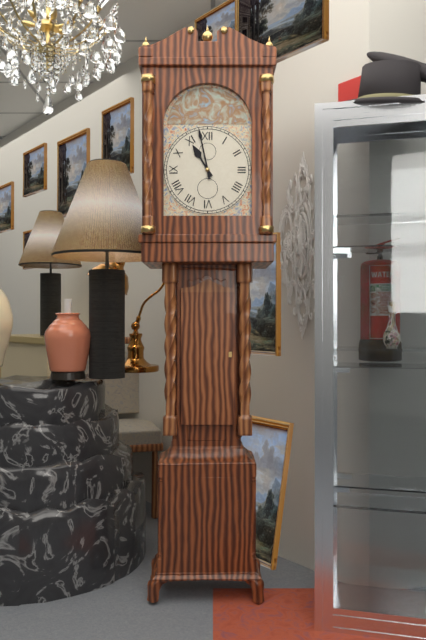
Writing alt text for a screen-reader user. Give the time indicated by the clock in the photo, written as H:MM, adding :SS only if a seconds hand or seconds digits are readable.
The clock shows 10:58
